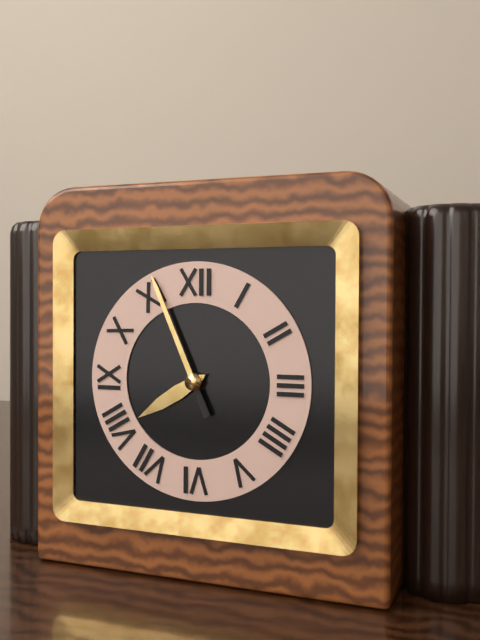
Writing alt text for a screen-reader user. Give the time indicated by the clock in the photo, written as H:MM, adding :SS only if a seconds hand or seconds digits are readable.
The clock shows 7:56
